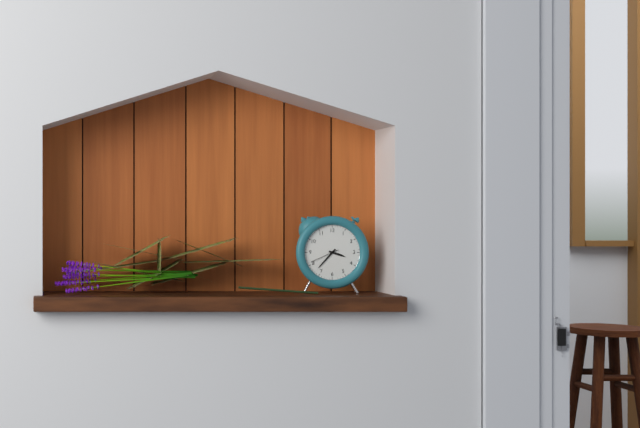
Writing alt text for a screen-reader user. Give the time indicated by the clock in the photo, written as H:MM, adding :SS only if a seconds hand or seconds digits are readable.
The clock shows 3:37
